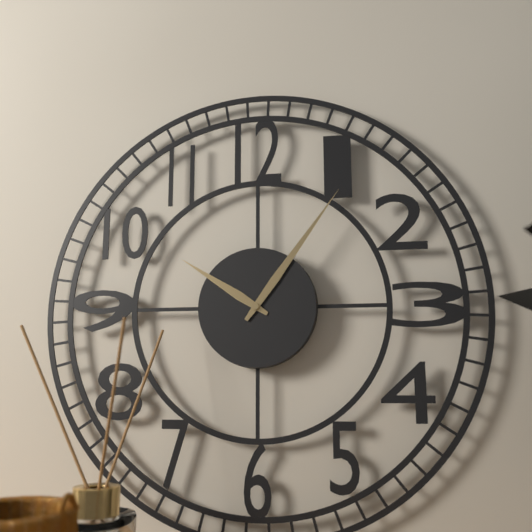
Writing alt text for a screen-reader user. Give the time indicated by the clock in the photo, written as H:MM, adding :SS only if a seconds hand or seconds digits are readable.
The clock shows 10:06
